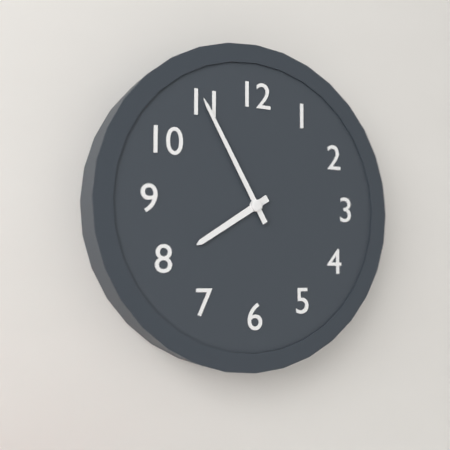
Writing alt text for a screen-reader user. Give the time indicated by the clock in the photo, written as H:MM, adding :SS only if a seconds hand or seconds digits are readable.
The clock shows 7:55
